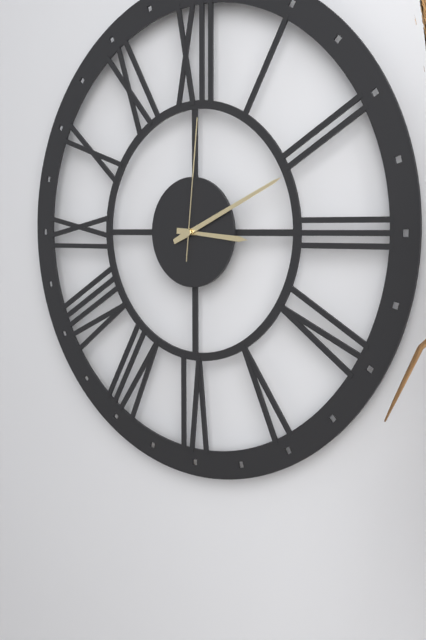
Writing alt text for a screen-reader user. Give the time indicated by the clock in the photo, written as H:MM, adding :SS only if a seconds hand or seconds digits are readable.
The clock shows 3:11:01
